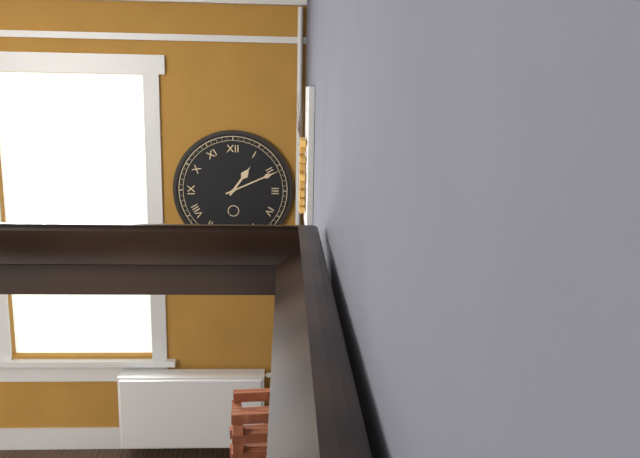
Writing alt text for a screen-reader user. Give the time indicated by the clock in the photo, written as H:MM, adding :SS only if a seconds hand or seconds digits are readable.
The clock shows 1:11
